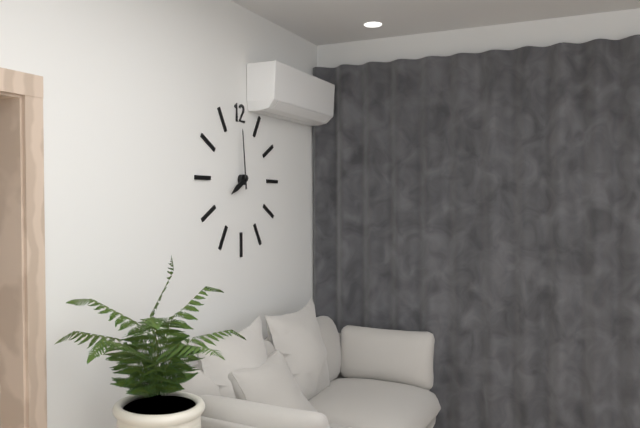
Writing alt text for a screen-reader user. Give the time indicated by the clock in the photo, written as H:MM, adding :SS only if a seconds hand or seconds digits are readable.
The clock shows 7:59
